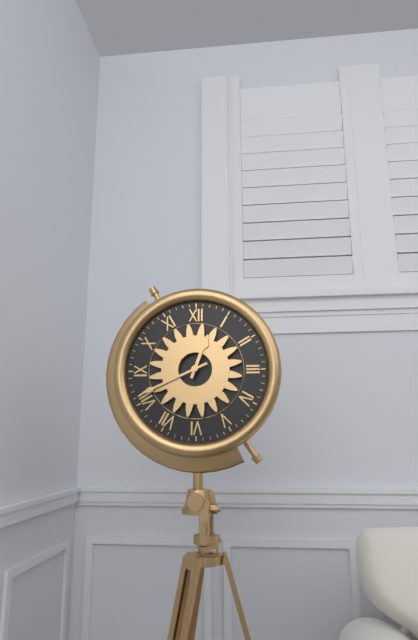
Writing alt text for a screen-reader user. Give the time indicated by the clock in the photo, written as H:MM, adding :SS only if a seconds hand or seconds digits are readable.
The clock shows 12:41
